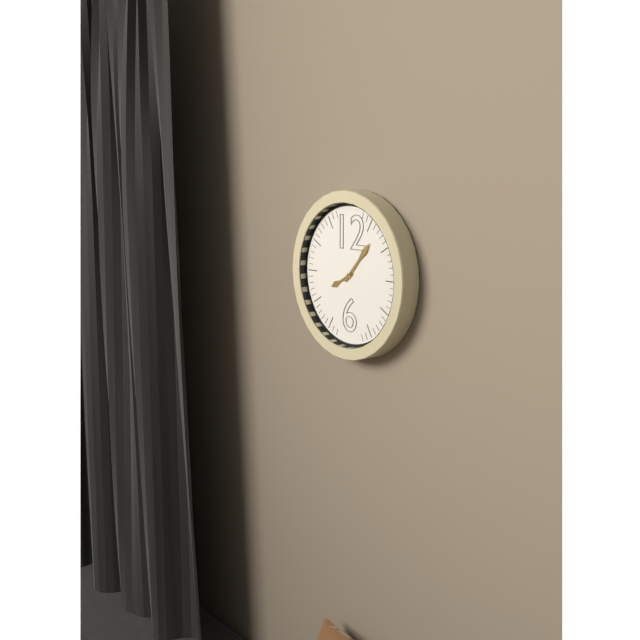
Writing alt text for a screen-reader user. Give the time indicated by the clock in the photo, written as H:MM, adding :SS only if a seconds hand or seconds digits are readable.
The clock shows 8:07
